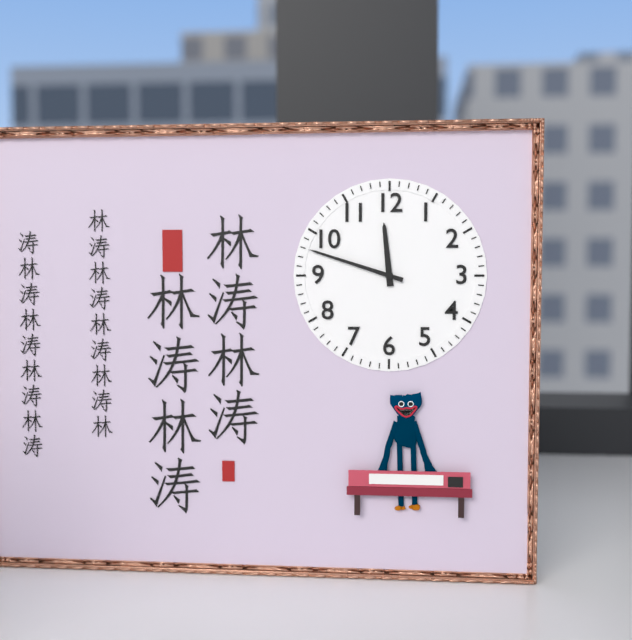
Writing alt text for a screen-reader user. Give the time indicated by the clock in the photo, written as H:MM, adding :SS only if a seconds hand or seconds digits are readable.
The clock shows 11:48
